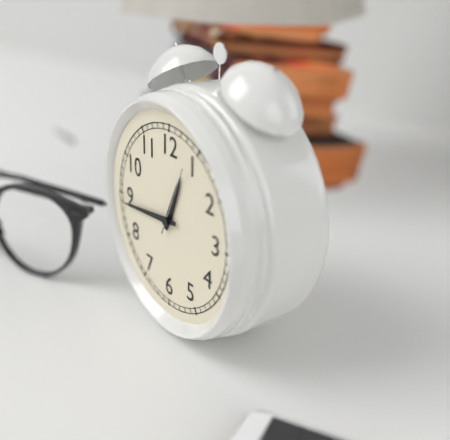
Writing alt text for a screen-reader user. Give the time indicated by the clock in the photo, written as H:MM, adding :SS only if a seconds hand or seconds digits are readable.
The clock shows 12:44:04
